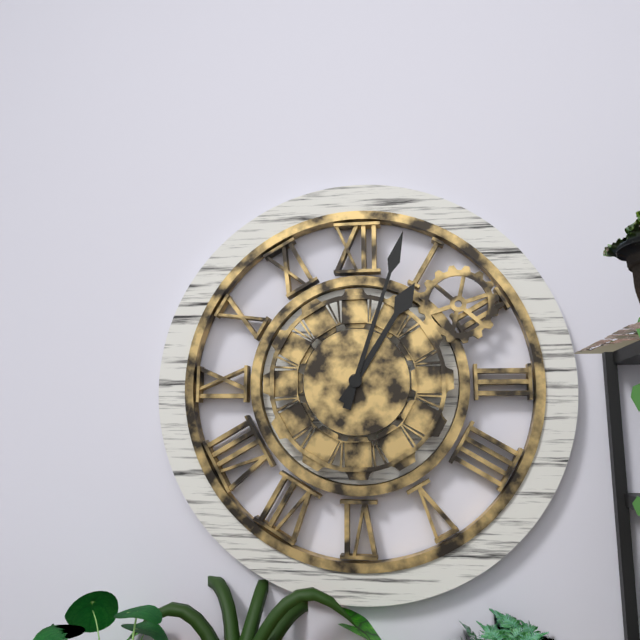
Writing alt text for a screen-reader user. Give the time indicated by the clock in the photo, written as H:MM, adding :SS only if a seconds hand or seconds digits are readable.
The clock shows 1:03
